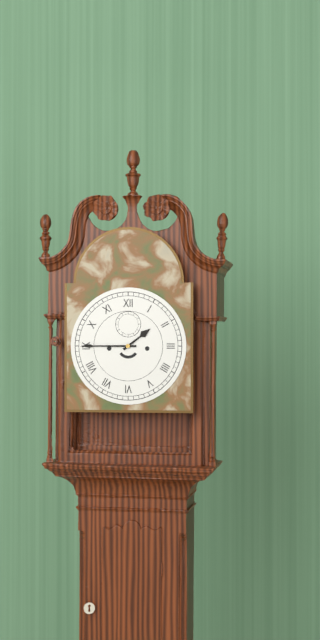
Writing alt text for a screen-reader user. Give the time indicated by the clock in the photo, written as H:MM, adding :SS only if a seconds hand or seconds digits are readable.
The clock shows 1:45
